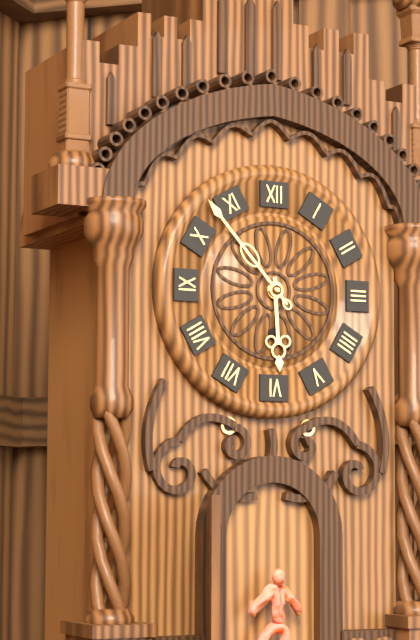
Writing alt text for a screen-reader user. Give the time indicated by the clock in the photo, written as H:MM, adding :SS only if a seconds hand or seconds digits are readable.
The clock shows 5:53
